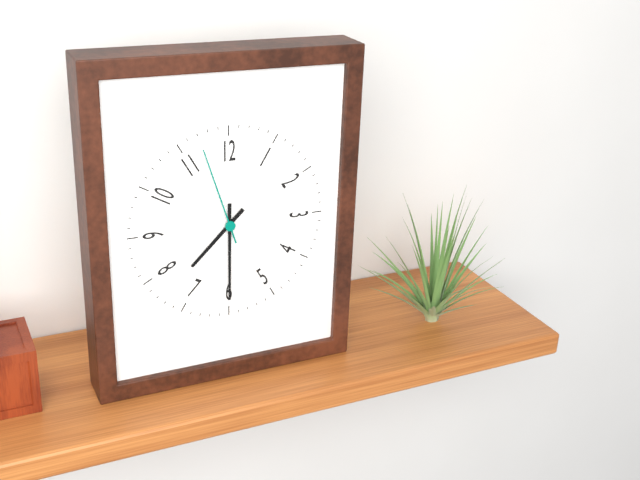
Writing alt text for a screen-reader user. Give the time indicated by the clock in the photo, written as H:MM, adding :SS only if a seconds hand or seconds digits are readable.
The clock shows 7:30:57
